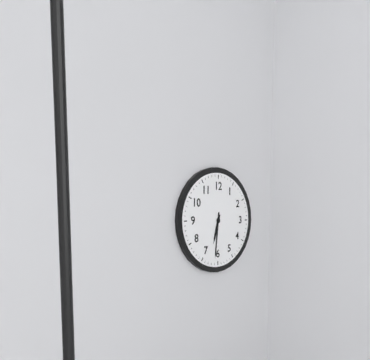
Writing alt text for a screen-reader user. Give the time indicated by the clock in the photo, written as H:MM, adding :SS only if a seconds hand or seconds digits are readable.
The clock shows 6:31
